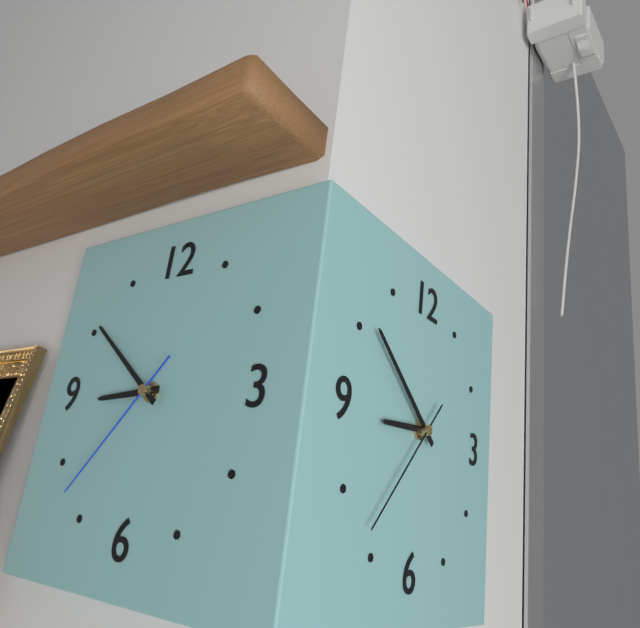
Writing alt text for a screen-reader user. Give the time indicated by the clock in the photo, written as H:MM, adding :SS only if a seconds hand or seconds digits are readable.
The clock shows 8:51:37
